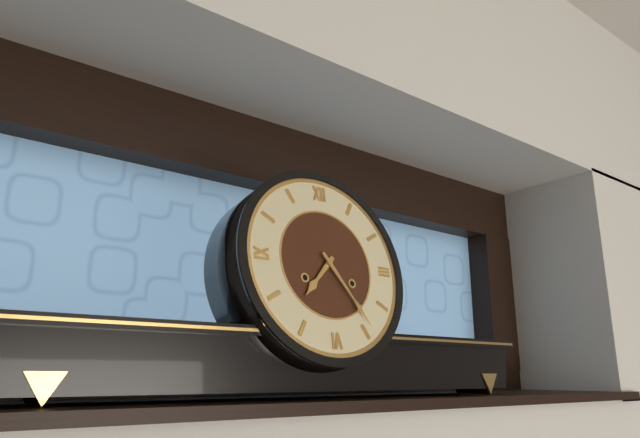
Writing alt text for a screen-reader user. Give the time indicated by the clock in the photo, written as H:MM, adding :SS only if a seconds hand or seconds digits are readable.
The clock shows 7:24
